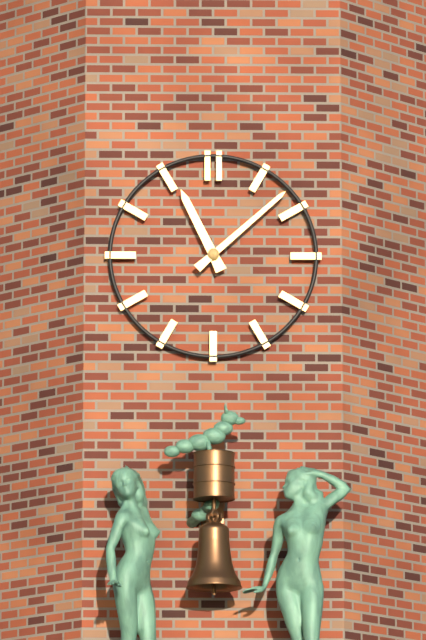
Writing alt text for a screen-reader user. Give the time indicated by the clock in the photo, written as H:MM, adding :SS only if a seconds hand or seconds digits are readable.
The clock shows 11:08
